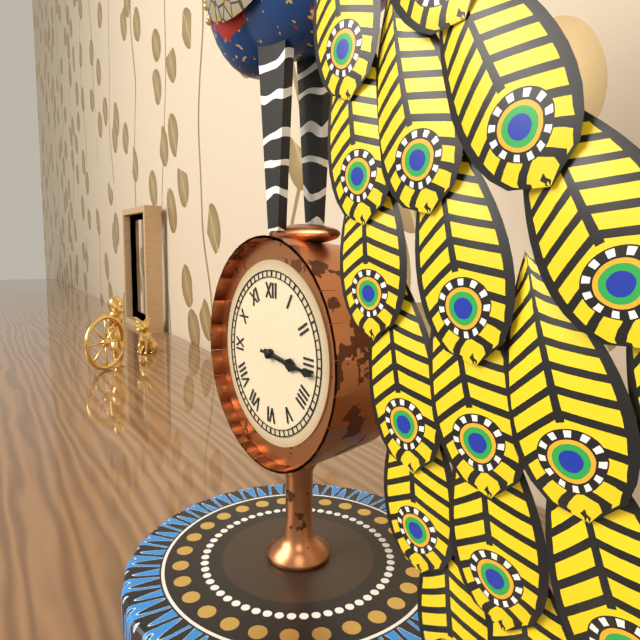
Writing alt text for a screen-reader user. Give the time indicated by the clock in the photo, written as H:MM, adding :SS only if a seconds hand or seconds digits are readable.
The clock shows 3:16
